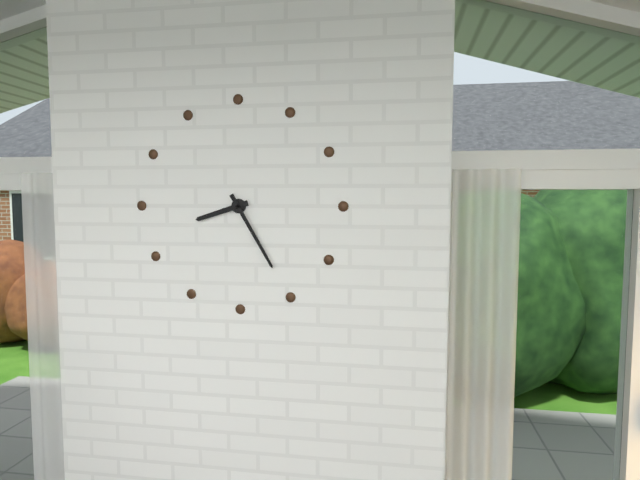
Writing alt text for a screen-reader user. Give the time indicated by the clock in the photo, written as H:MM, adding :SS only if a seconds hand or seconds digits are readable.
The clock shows 8:25
